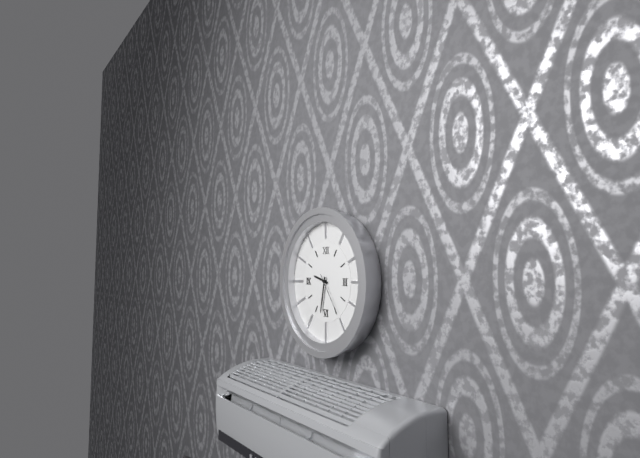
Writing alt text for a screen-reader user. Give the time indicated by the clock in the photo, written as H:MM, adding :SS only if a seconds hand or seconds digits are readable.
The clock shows 9:32
